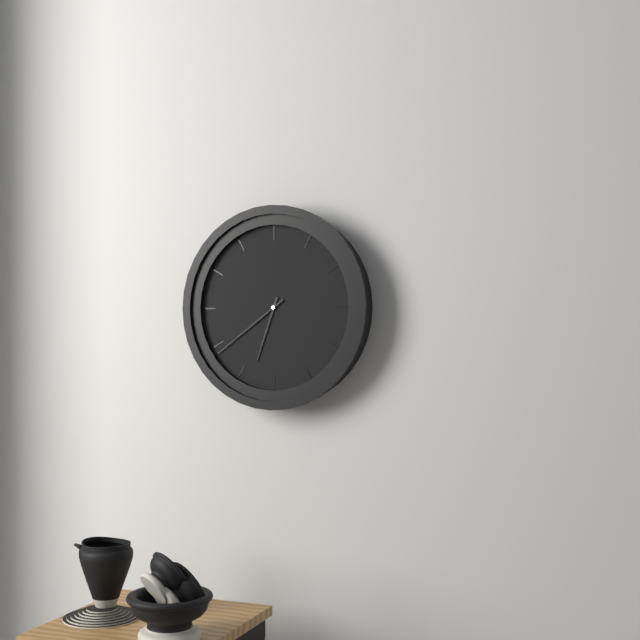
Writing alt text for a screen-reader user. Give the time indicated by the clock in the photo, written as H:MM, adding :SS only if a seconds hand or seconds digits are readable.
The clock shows 6:39
